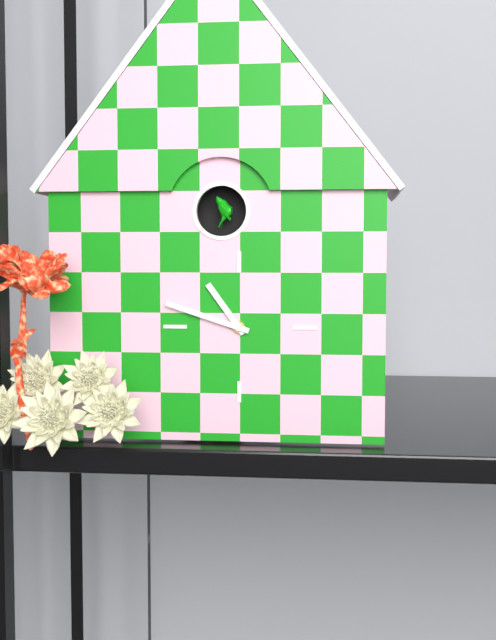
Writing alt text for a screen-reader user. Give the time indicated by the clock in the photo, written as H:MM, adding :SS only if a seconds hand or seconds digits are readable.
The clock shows 10:48
